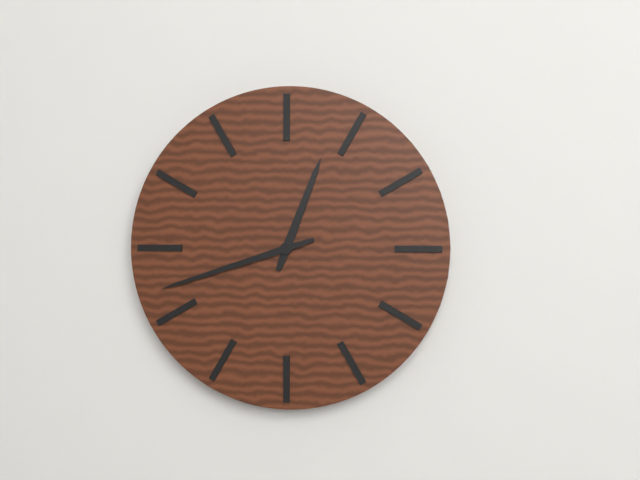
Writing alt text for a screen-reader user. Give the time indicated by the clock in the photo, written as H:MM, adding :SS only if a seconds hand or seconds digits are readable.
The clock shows 12:42
